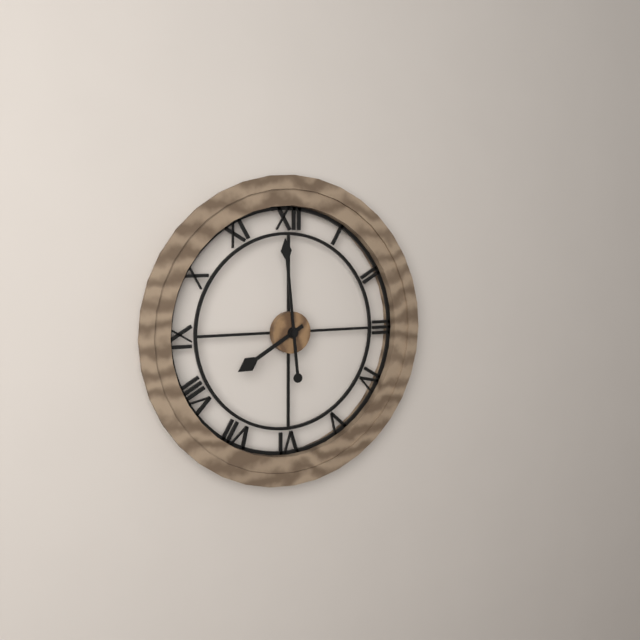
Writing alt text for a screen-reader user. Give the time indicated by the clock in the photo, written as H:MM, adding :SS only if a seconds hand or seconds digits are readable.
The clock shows 7:59
